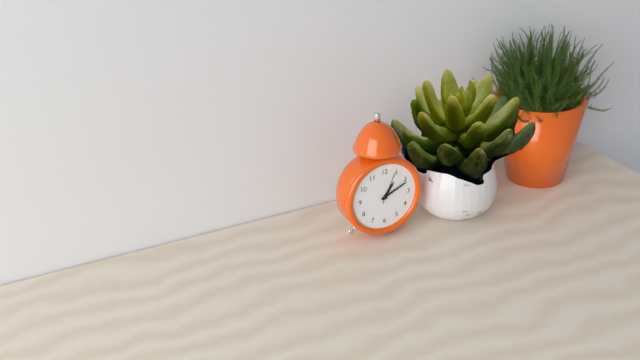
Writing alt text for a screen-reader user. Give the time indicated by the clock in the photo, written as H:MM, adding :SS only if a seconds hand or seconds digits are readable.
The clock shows 1:11
